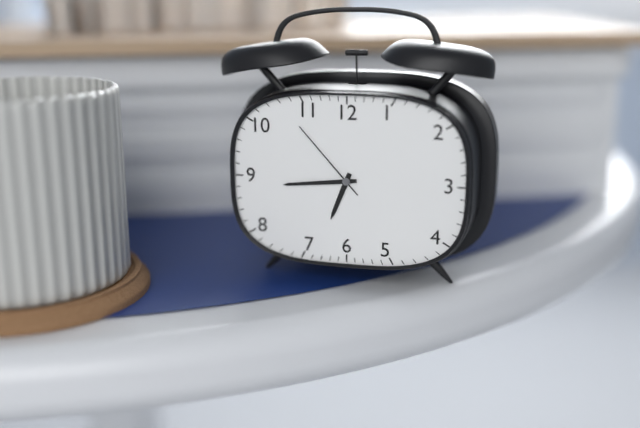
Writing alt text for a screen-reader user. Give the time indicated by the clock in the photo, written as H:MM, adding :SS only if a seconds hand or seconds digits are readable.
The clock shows 6:44:53
